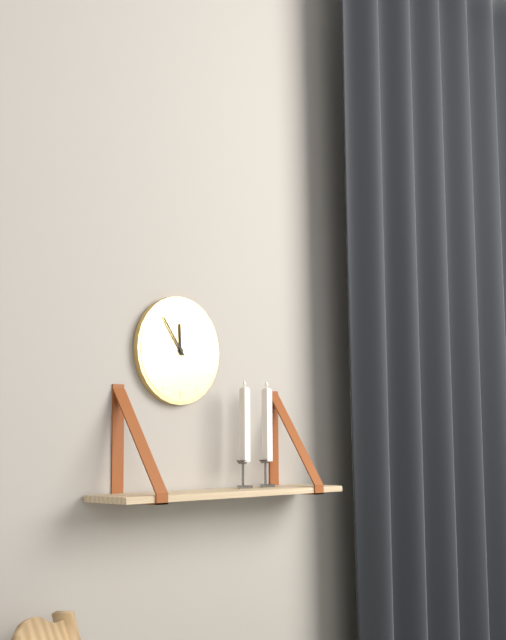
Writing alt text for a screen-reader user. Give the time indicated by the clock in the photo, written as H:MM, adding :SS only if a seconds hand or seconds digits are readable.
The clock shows 11:54
